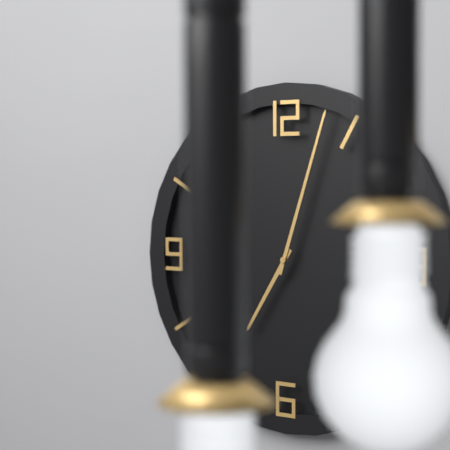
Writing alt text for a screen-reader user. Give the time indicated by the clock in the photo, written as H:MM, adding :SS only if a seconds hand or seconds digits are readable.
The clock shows 7:03
